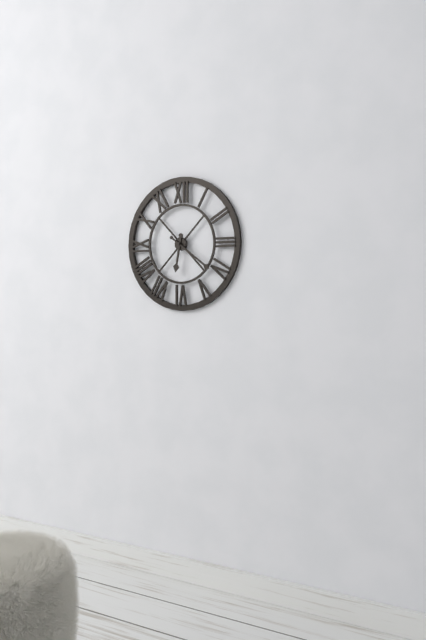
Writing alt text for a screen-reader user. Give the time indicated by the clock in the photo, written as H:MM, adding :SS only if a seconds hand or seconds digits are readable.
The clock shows 6:21
